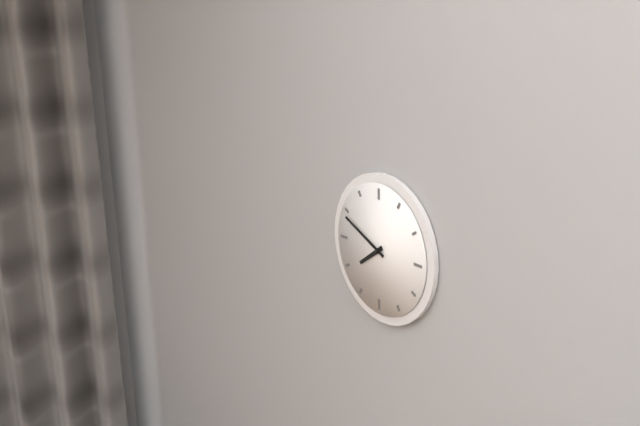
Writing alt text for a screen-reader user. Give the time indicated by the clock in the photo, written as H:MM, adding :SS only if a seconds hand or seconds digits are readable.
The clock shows 7:49
